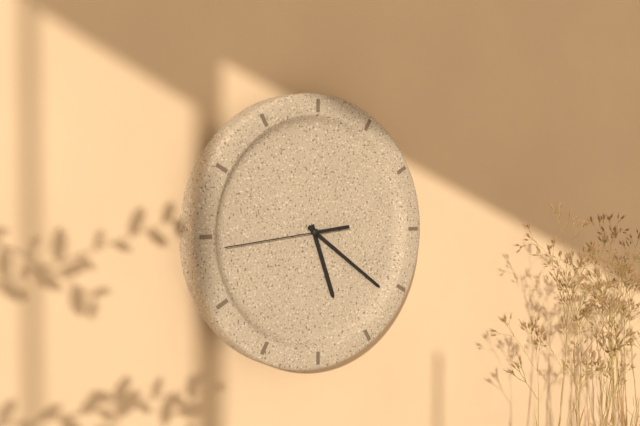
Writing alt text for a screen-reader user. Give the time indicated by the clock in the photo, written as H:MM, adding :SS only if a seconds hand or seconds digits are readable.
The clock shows 5:21:44
